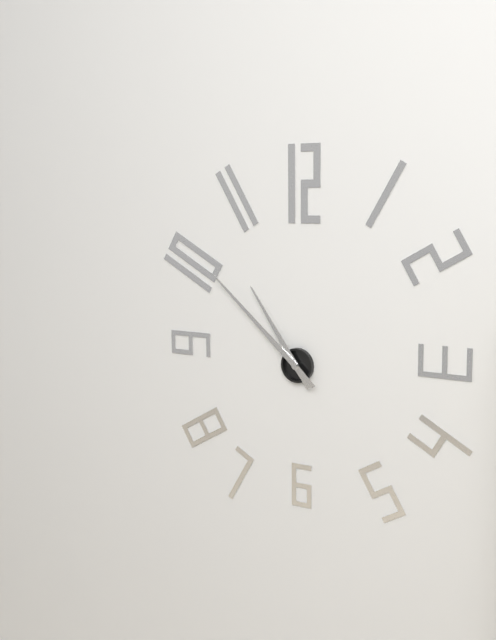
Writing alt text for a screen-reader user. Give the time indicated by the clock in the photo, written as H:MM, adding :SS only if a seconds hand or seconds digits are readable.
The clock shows 10:52
